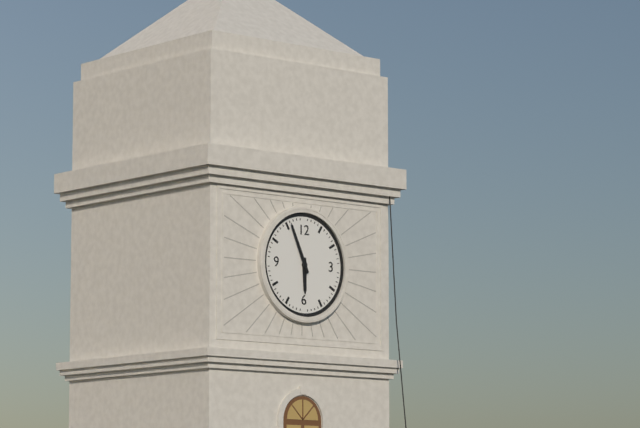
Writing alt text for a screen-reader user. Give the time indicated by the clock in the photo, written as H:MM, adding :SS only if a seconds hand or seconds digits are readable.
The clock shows 5:56
